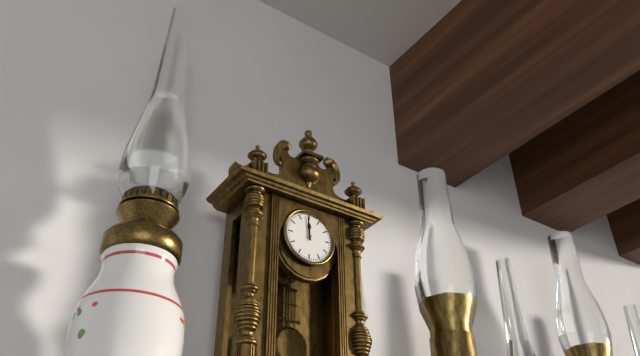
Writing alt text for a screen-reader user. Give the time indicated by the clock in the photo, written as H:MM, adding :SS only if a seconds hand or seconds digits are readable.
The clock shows 11:59
